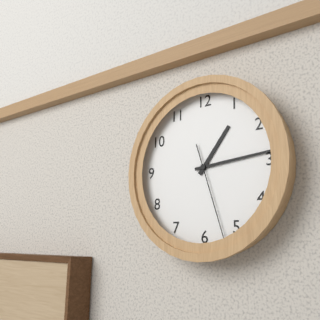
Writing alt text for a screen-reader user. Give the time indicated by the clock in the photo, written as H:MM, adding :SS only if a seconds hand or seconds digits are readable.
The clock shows 1:14:27
